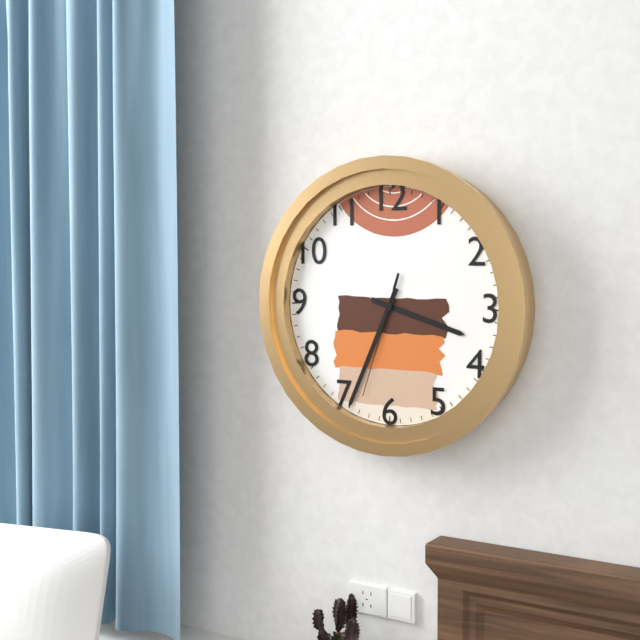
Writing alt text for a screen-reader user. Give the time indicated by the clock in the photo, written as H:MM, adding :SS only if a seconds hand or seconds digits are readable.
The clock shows 3:34:33
